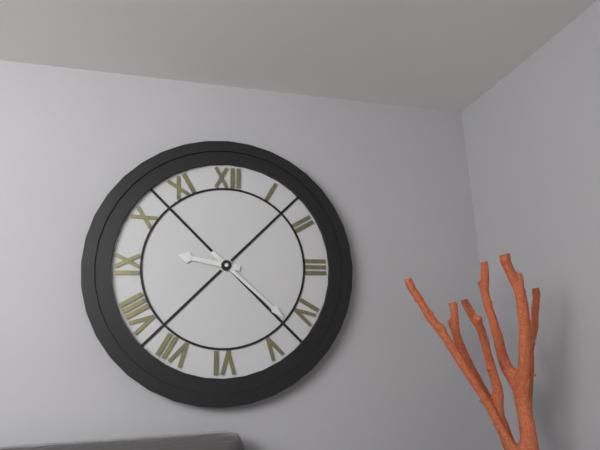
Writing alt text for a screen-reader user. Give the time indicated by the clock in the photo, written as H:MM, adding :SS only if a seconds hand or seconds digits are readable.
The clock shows 9:22
